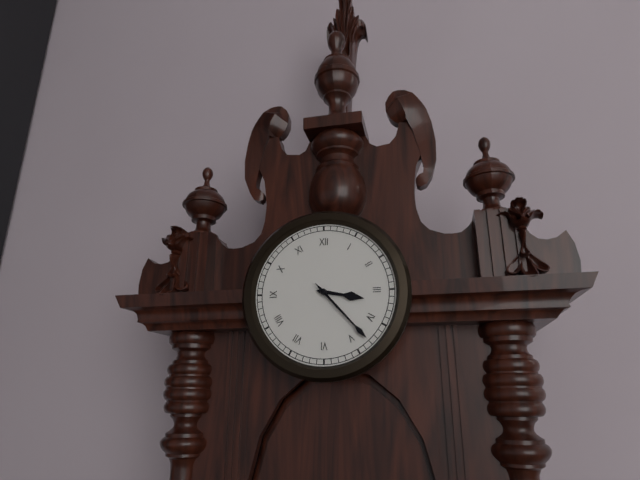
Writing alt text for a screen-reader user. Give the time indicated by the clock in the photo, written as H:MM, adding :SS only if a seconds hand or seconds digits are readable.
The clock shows 3:23
